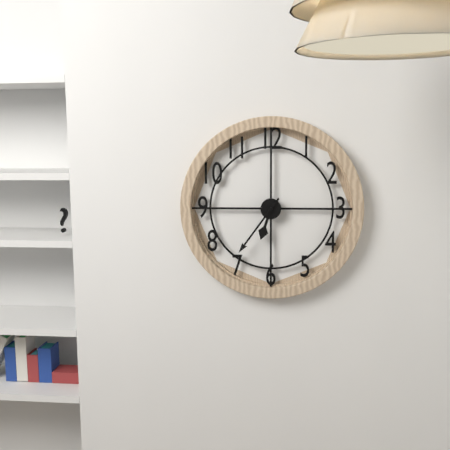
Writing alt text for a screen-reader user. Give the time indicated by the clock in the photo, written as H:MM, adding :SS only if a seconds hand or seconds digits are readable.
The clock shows 6:36
